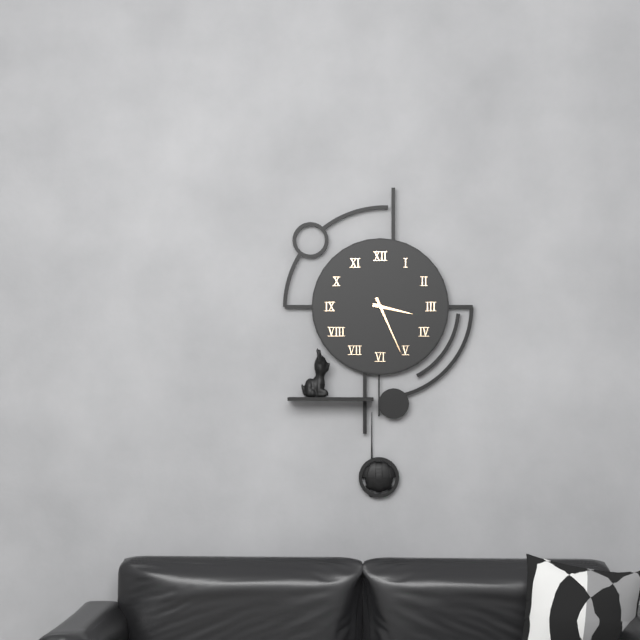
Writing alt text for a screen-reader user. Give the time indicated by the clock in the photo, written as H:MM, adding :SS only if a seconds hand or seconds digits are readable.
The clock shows 3:26
